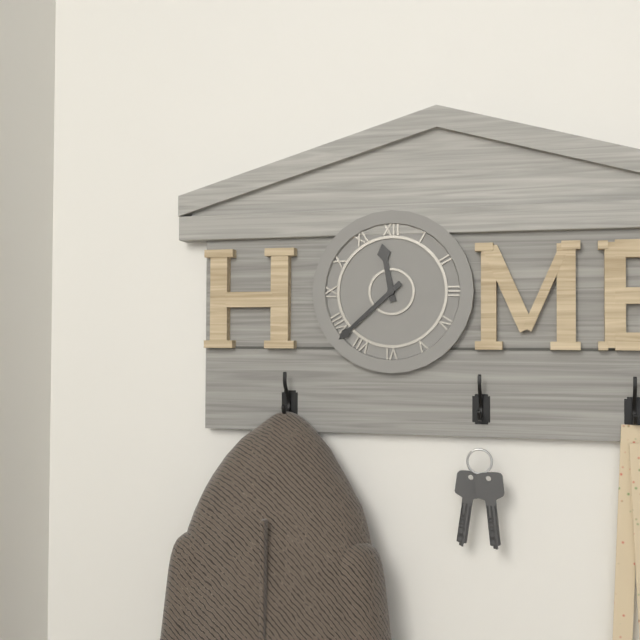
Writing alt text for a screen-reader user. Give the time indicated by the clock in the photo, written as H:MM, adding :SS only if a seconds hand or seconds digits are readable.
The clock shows 11:38
